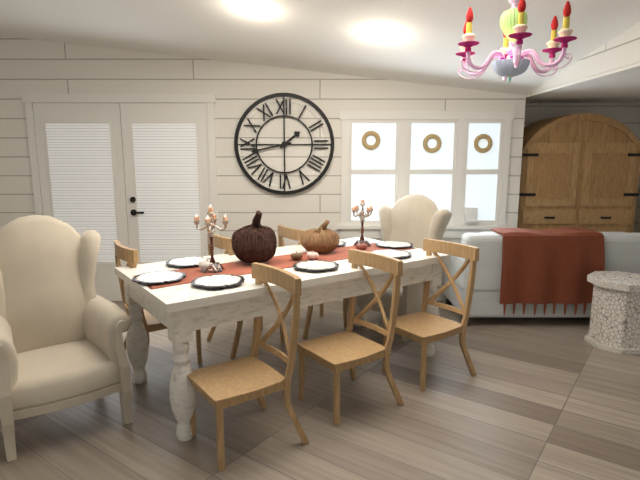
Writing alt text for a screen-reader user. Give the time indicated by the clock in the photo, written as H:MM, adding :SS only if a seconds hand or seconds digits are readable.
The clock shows 1:43
